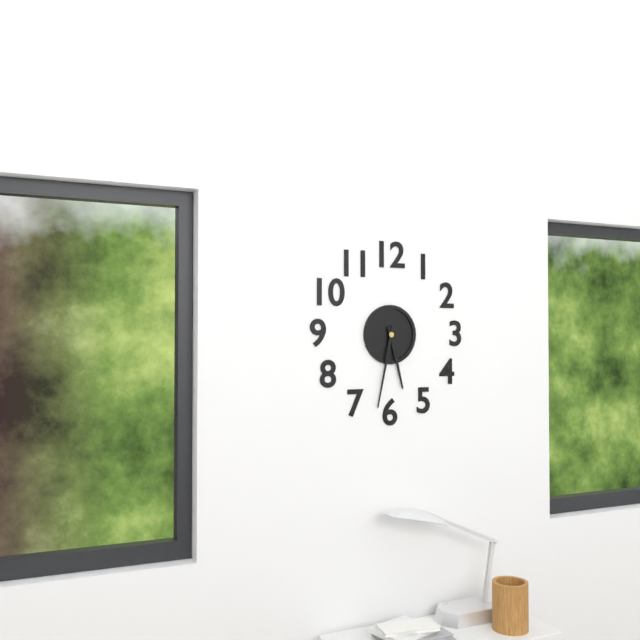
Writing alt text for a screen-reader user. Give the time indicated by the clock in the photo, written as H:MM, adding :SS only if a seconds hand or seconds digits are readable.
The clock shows 5:32
